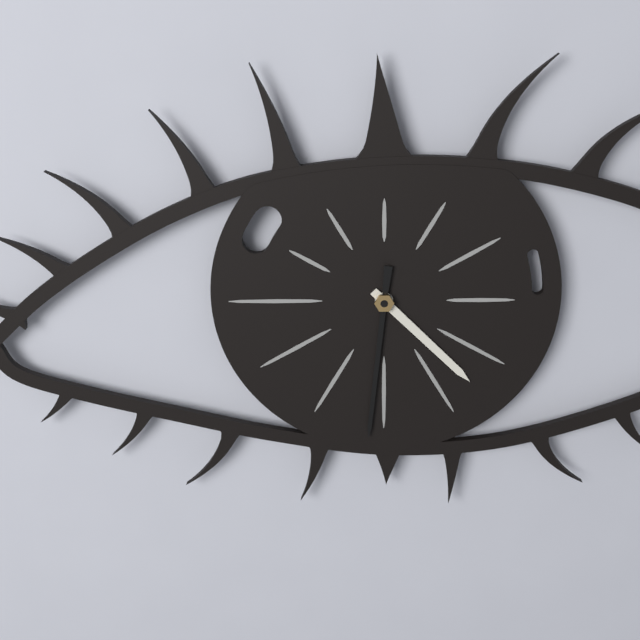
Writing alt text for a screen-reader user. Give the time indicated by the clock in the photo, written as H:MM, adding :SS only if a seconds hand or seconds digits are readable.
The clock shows 4:31
